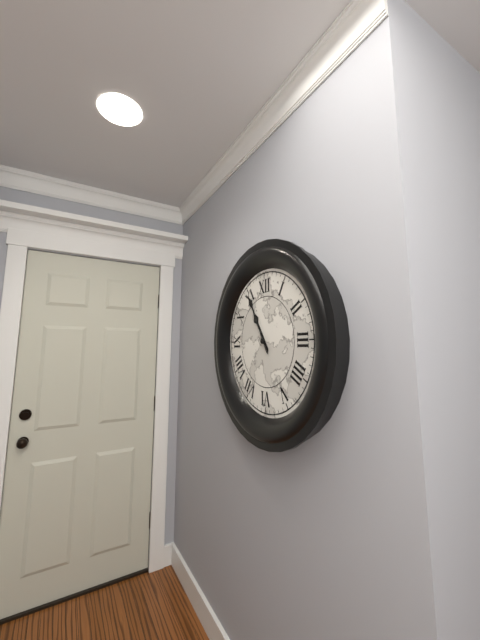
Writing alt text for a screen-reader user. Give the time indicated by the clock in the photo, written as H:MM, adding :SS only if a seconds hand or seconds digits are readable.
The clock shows 10:55
